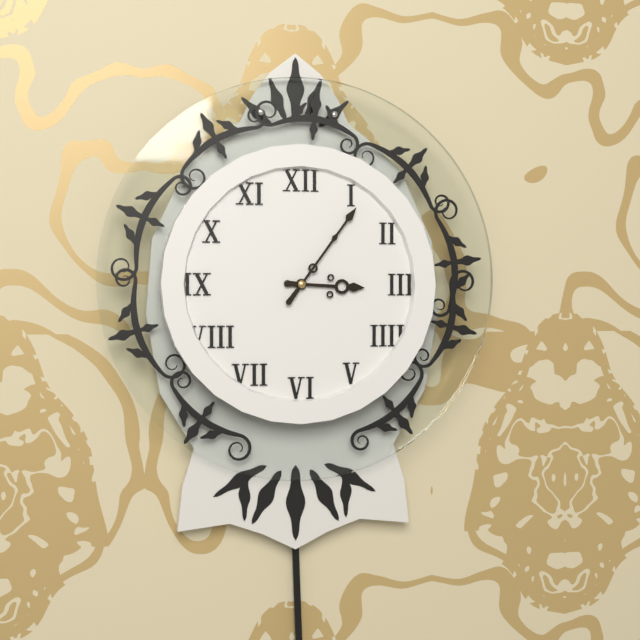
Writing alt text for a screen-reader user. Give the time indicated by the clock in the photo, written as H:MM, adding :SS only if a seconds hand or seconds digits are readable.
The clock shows 3:06
